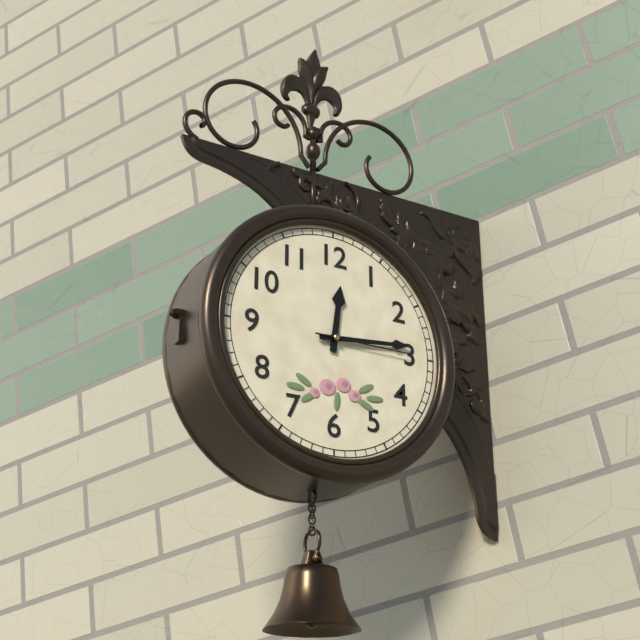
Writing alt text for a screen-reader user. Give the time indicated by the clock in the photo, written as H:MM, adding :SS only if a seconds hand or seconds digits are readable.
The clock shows 12:14:15
